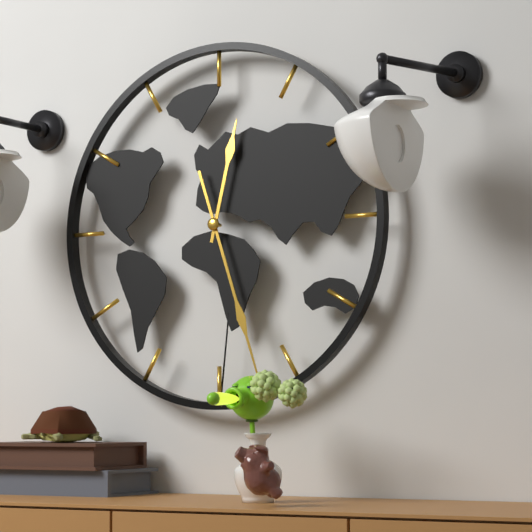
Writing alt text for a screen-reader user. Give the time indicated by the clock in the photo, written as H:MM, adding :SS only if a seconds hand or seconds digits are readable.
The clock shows 12:27
